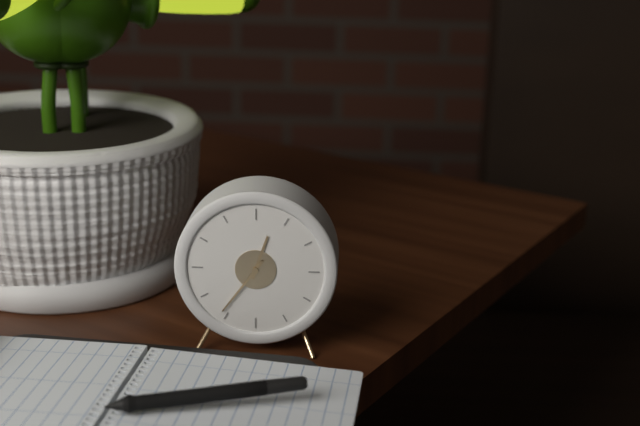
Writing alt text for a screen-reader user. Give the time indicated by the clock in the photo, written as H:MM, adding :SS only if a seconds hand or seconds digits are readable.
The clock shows 12:36
